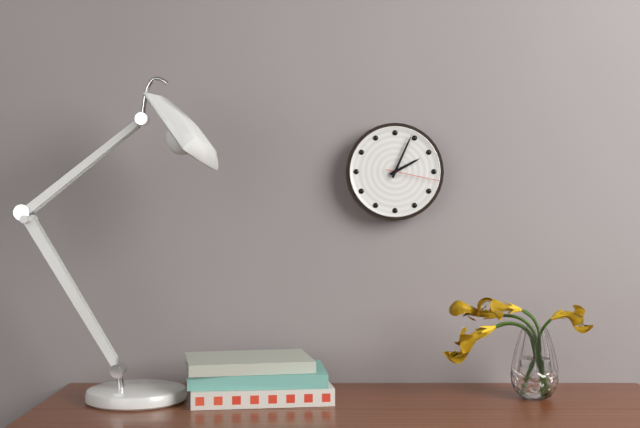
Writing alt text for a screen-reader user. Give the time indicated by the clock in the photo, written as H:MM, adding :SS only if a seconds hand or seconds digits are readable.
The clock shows 2:04:17
